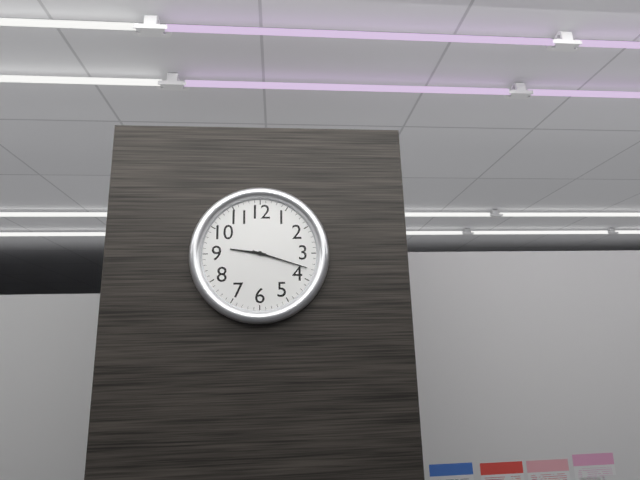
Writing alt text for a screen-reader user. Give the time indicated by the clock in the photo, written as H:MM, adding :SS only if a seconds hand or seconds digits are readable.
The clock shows 9:18
